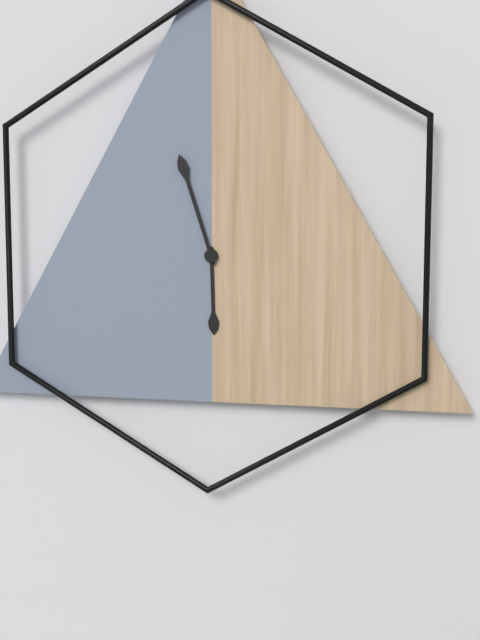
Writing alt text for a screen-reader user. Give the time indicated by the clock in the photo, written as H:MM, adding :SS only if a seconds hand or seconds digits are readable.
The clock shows 5:57
